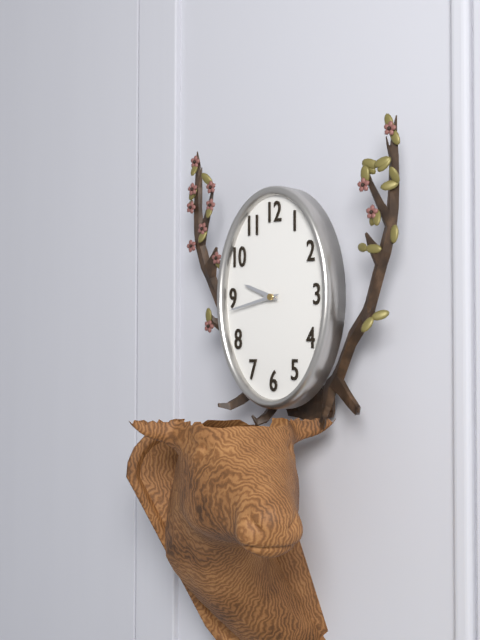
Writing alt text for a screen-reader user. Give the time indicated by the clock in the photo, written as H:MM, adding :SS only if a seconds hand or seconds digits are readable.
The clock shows 9:43
